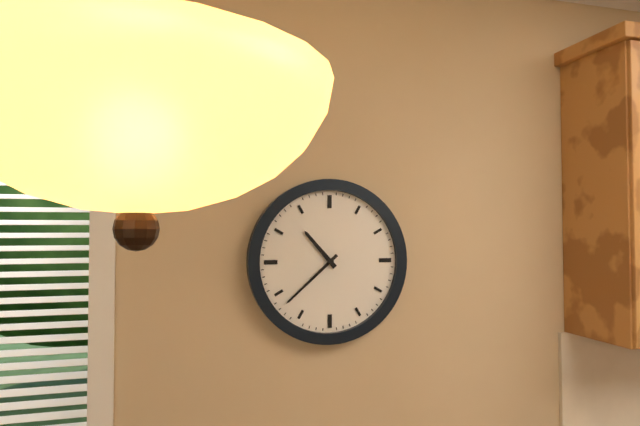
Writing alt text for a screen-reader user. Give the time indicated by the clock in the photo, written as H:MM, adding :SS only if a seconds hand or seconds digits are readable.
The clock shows 10:38
